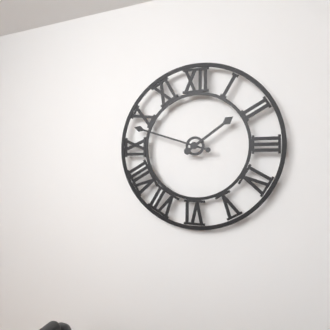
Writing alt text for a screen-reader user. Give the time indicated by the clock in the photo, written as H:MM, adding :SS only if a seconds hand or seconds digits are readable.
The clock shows 1:48
